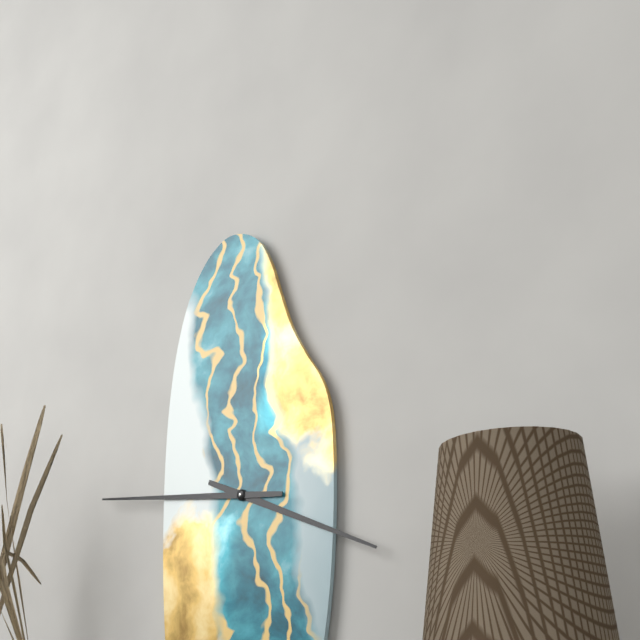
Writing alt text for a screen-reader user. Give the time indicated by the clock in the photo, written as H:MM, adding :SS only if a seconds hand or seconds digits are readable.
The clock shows 3:46
